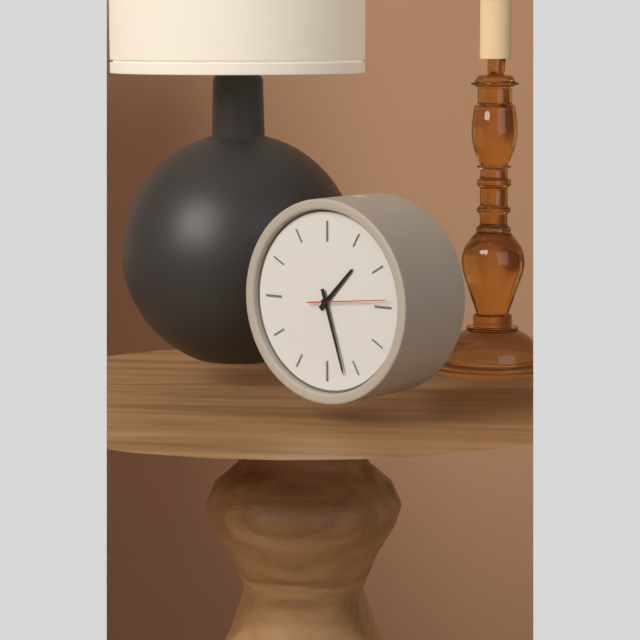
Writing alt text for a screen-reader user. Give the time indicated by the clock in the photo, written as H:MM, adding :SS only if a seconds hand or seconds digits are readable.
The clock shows 1:27:14
